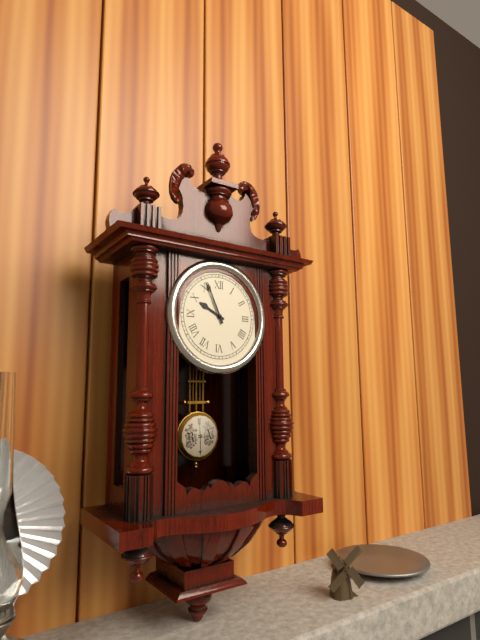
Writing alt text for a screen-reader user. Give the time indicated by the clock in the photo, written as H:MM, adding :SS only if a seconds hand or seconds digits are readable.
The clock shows 9:56
